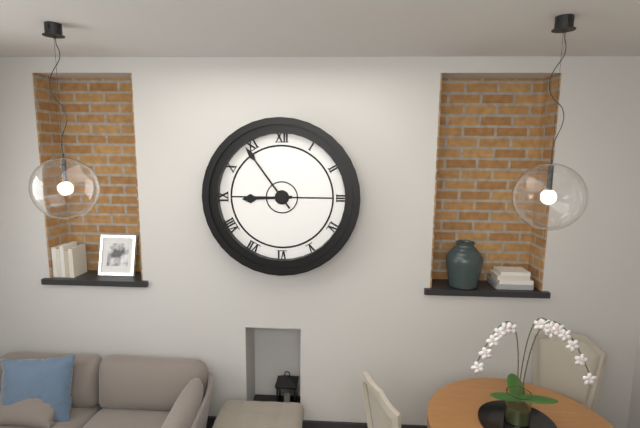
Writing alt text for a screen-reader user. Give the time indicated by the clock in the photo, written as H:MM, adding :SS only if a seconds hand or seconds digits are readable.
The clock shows 8:54
